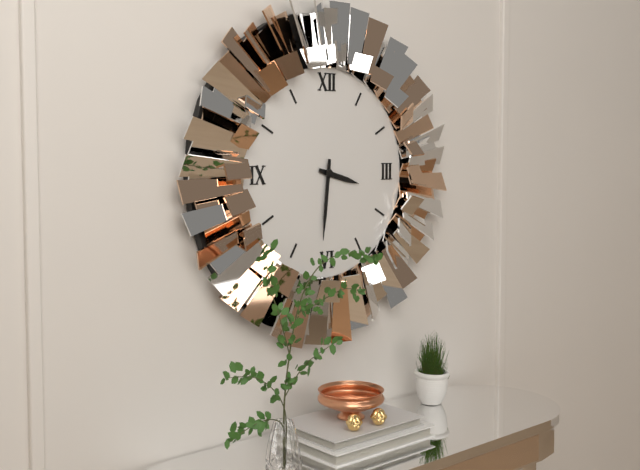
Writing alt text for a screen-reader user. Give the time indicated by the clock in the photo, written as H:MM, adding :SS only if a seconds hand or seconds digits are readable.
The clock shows 3:31
